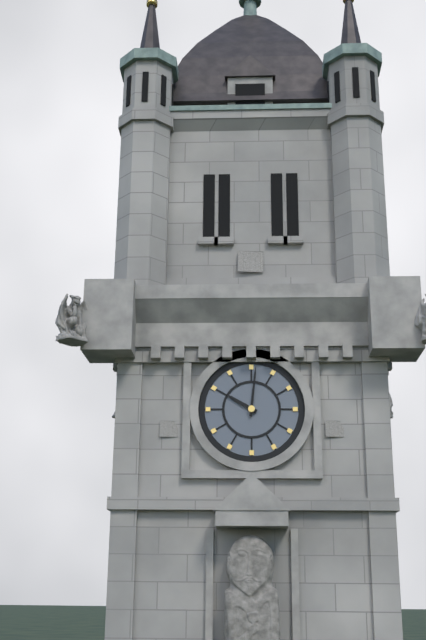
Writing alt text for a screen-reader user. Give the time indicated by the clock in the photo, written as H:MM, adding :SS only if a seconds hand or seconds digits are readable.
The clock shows 10:01
